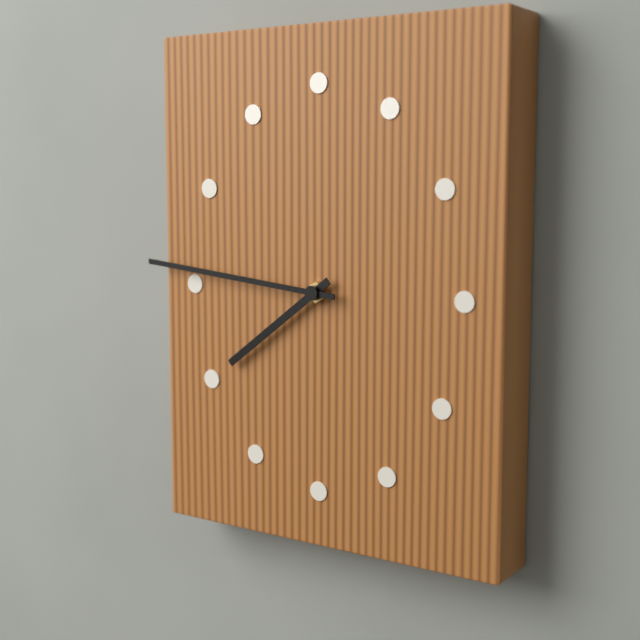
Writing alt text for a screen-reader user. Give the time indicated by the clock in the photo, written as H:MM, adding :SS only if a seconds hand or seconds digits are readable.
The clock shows 7:46
